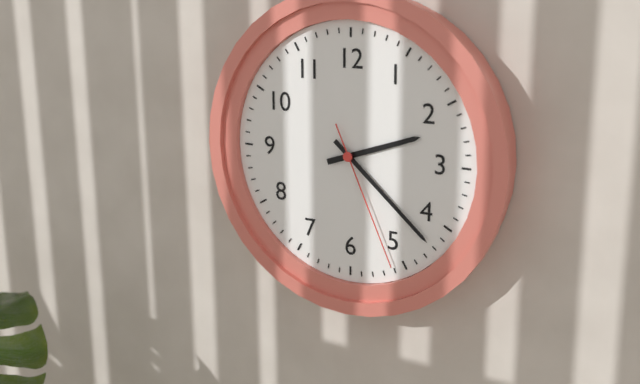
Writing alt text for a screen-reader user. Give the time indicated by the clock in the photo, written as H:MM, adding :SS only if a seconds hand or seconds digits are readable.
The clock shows 2:22:26
